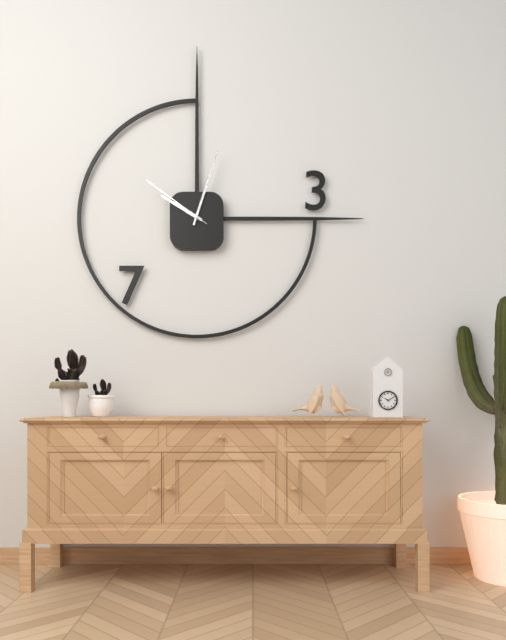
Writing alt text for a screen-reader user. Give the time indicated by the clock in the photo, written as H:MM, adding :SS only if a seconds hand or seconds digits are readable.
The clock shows 10:03:51
